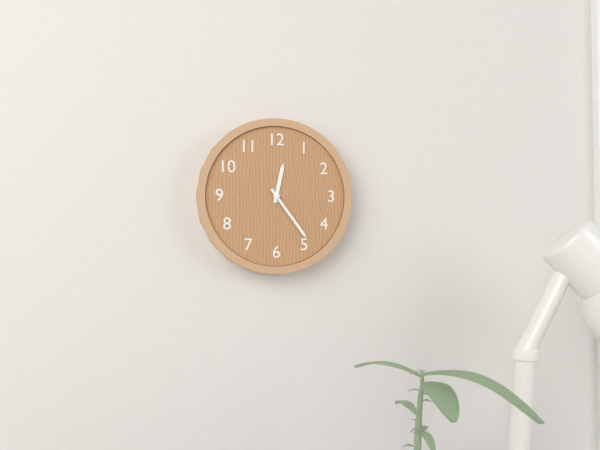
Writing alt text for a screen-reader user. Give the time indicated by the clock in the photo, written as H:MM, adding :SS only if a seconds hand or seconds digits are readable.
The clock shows 12:24
